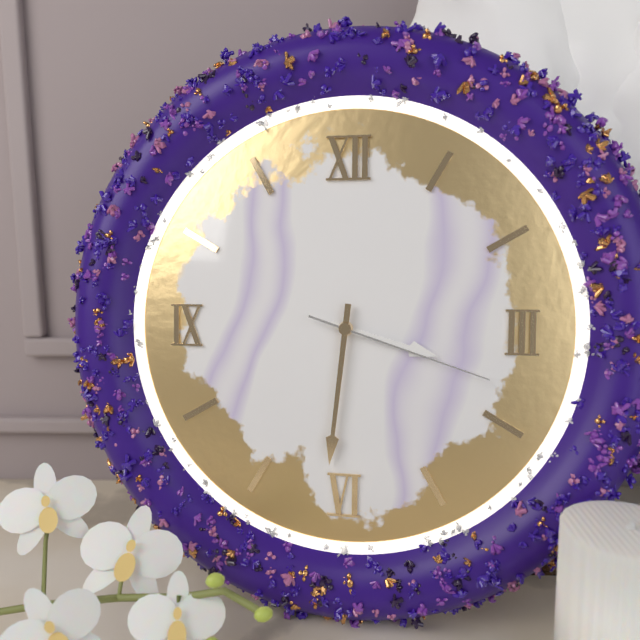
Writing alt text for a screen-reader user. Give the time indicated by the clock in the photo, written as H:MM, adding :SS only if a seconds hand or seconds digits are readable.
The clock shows 3:31:18
